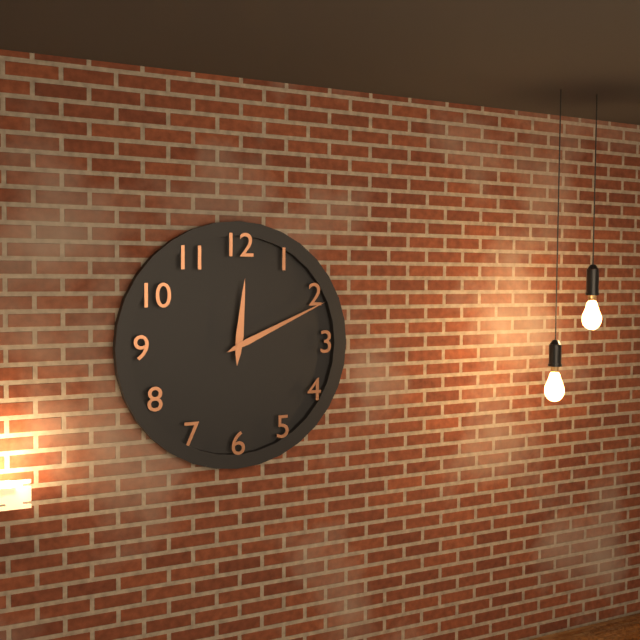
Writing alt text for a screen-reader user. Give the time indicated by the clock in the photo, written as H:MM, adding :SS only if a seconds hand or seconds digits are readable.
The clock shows 12:11
